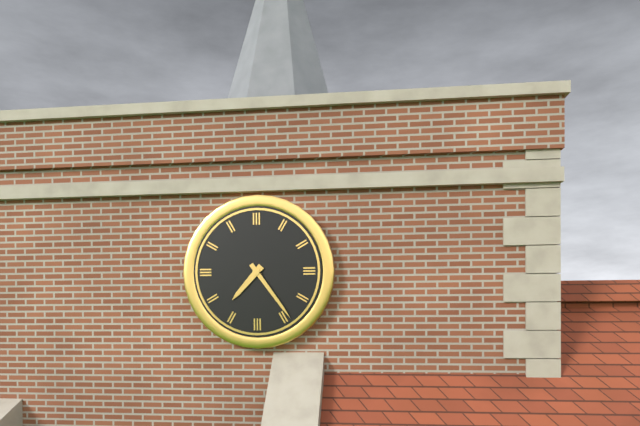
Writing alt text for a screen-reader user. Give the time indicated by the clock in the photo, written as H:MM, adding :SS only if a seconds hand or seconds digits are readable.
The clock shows 7:24
